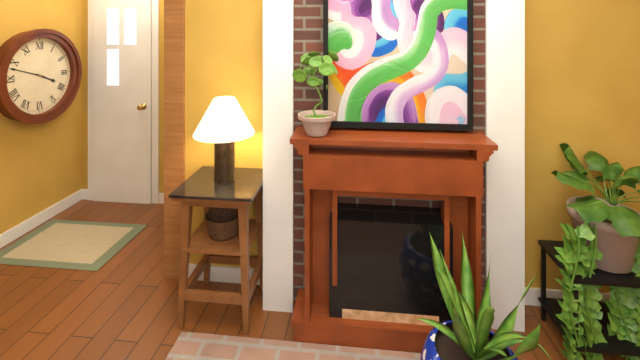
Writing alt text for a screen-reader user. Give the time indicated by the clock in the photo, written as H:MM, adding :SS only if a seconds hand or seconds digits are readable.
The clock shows 3:48
